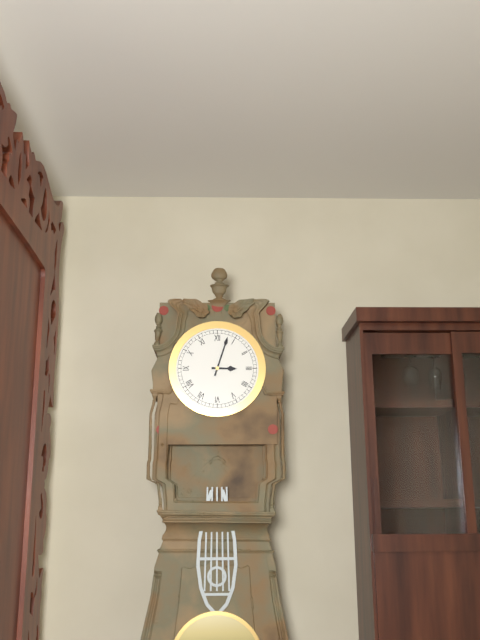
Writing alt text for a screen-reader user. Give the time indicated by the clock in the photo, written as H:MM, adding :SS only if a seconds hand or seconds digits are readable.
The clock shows 3:03
